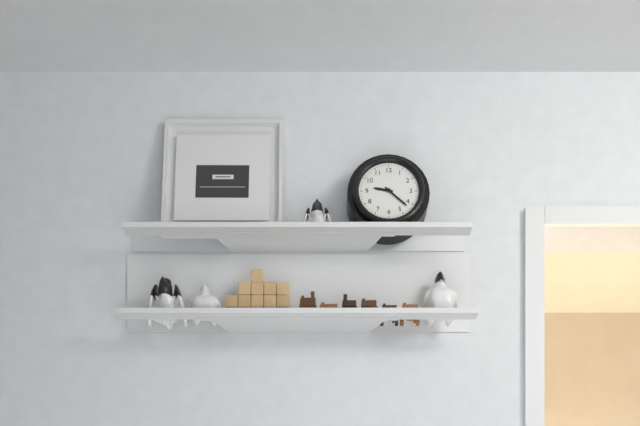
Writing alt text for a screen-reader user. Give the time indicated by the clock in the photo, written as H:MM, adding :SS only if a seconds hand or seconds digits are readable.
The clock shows 9:22
